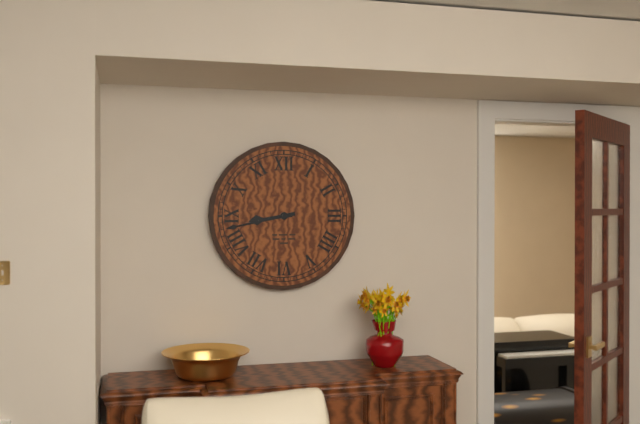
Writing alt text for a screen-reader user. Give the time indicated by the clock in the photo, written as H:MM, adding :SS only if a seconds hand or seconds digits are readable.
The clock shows 8:43
